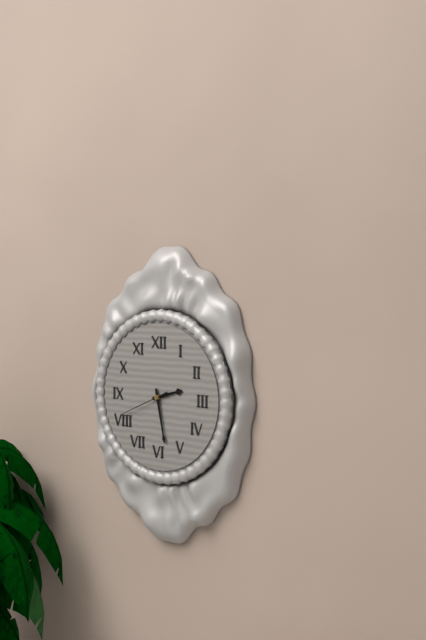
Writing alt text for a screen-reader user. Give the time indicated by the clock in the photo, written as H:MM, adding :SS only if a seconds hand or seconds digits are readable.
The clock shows 2:28:41
